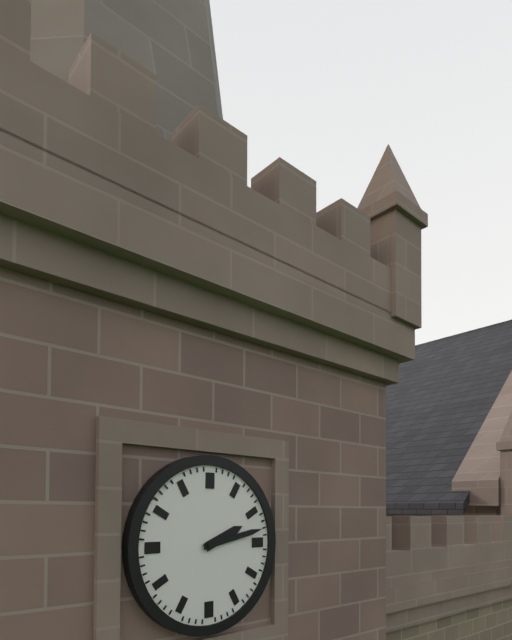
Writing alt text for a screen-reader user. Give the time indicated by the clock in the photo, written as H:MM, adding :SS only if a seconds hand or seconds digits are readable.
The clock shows 2:13
